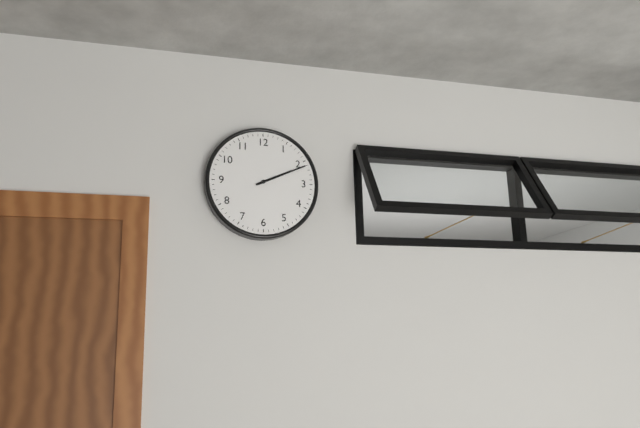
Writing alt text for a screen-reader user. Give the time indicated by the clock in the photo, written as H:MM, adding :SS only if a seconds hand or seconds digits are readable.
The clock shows 2:11
